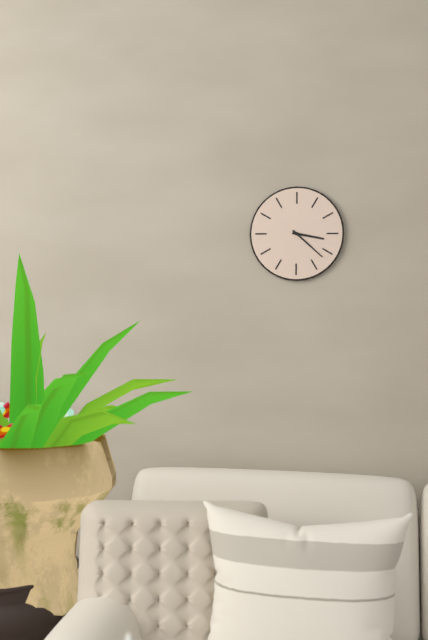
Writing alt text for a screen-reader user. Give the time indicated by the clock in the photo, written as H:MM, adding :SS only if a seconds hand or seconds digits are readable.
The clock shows 3:22
